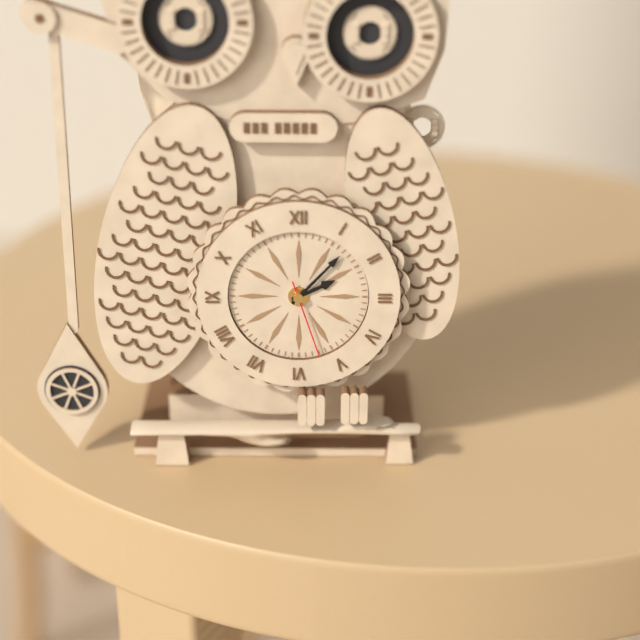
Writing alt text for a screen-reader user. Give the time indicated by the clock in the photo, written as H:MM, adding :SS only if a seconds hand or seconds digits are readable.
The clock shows 2:07:27
